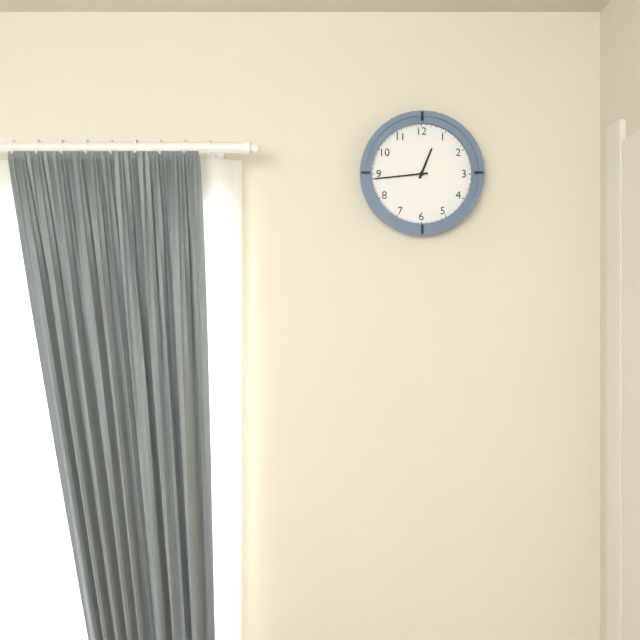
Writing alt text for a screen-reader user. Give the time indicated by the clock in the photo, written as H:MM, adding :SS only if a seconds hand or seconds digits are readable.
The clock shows 12:44
